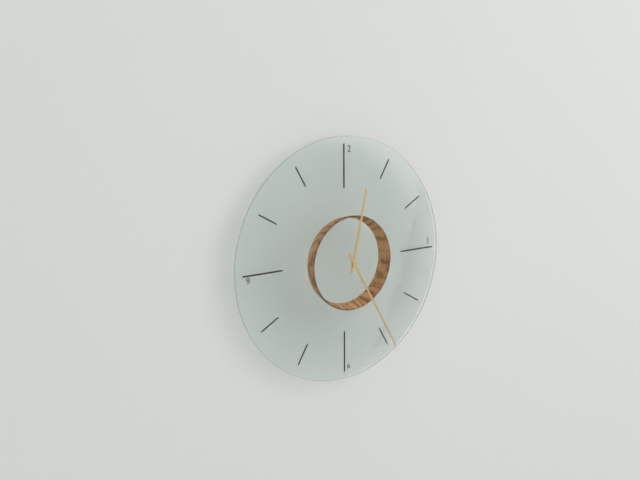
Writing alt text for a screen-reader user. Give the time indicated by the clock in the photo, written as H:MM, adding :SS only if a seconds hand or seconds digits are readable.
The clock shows 12:25
